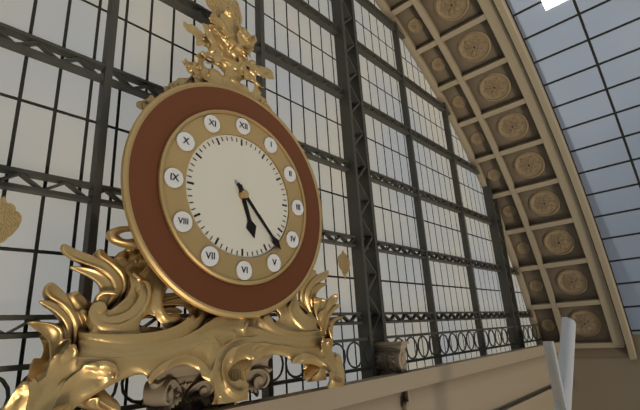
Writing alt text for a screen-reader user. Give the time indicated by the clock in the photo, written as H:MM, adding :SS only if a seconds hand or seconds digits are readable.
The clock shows 5:23
